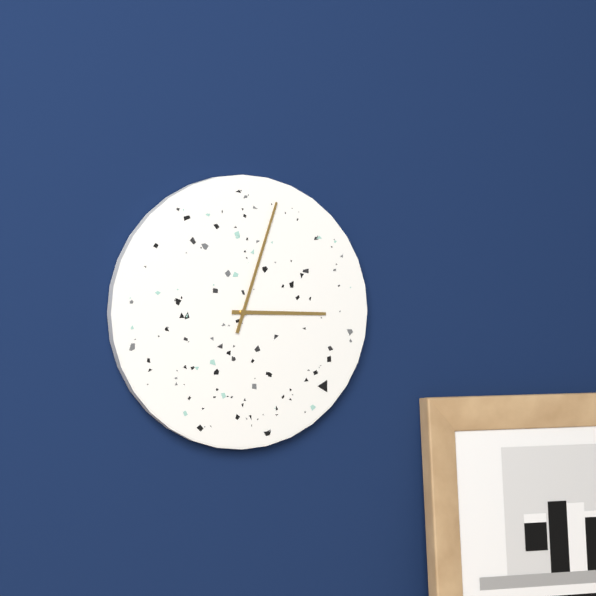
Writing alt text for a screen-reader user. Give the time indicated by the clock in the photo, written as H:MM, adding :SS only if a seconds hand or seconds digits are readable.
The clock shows 3:03
